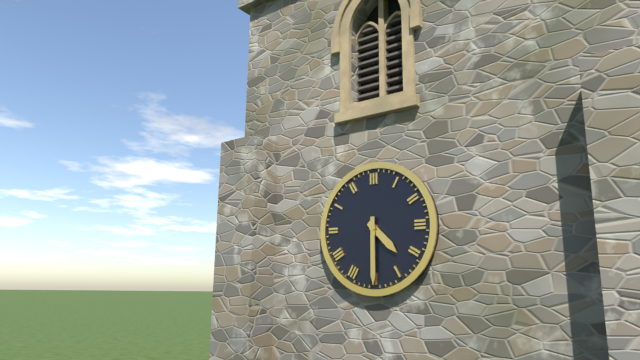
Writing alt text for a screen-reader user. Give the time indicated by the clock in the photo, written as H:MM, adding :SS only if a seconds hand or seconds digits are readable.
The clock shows 4:30
